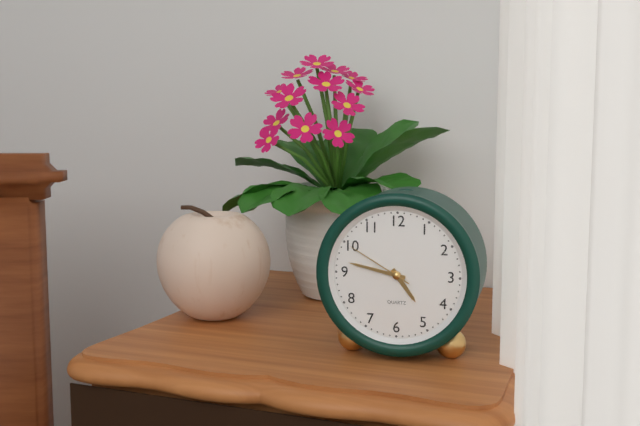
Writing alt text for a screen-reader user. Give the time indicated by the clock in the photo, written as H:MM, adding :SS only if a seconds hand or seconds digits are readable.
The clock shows 4:47:50
